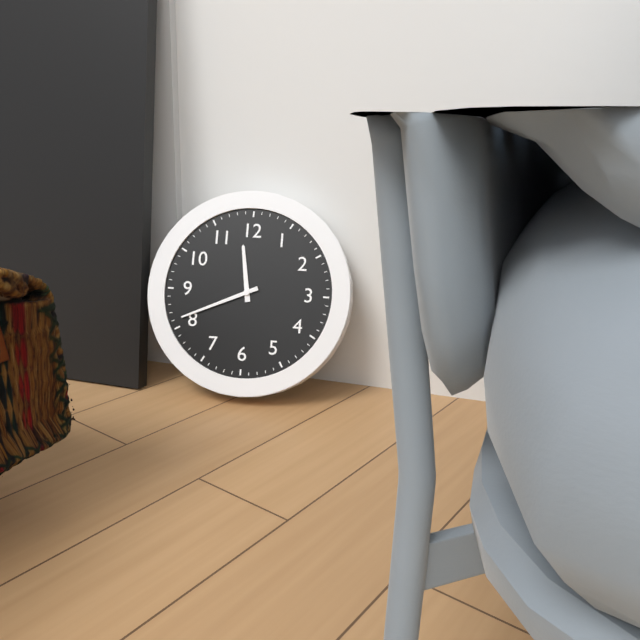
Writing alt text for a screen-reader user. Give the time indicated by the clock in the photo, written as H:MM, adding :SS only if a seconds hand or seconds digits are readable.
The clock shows 11:41
